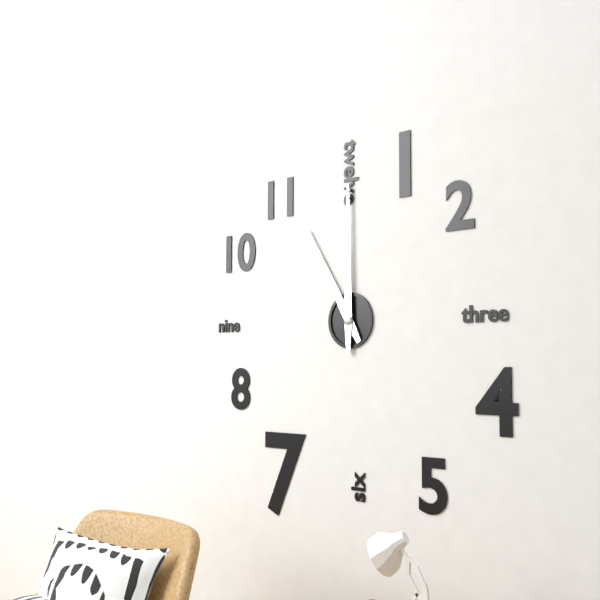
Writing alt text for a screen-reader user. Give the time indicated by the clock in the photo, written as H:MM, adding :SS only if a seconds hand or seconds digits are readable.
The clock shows 11:00
